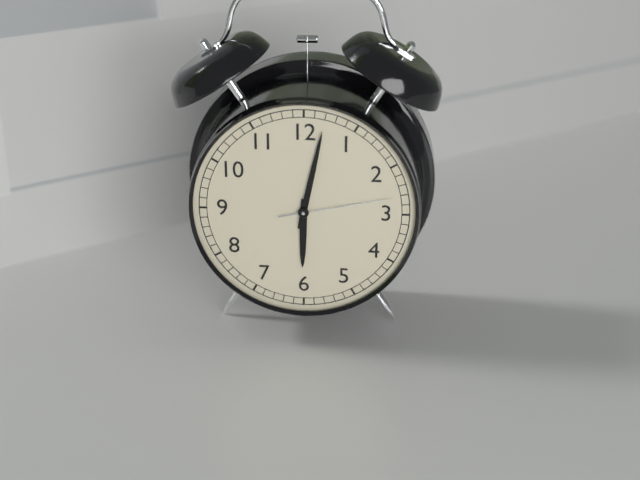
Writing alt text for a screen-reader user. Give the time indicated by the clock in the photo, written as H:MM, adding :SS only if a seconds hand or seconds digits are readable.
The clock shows 6:02:13
